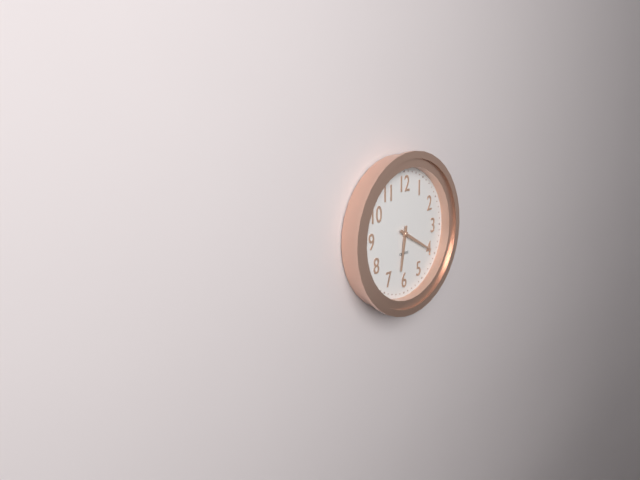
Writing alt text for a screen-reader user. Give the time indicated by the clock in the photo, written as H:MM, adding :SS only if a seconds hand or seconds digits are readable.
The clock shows 6:20
